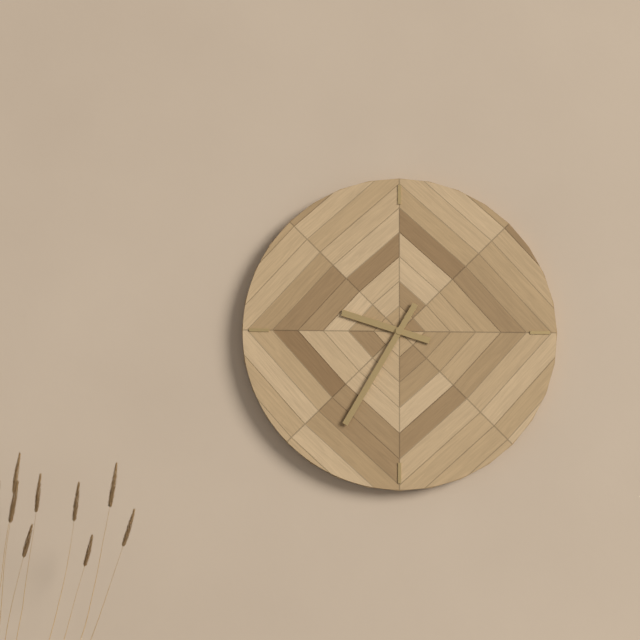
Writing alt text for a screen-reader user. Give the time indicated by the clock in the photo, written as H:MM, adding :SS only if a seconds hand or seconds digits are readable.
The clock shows 9:35
